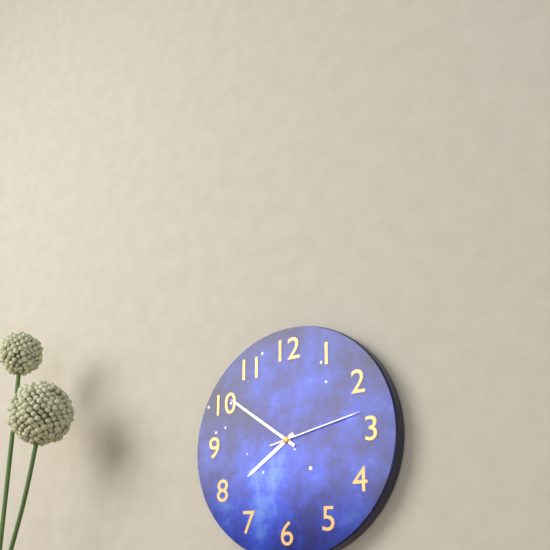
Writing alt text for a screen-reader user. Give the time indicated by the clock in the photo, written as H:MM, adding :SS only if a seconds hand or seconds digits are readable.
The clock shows 7:51:13
